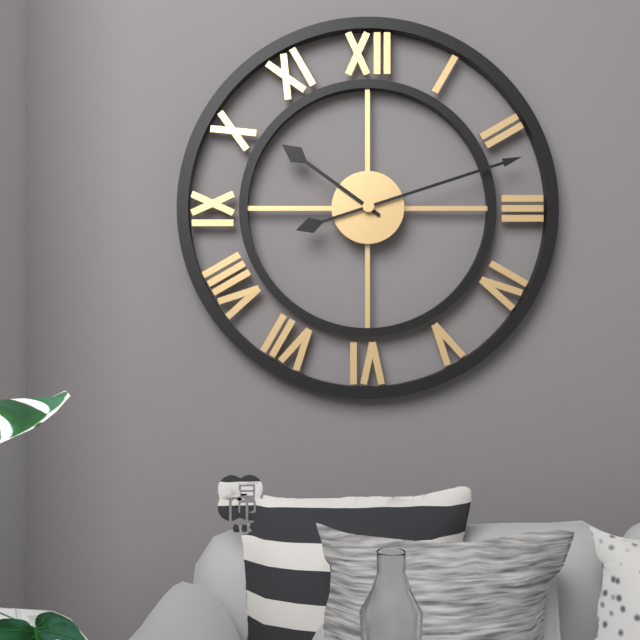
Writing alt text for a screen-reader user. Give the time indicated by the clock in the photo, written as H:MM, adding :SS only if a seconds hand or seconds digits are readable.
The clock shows 10:12
